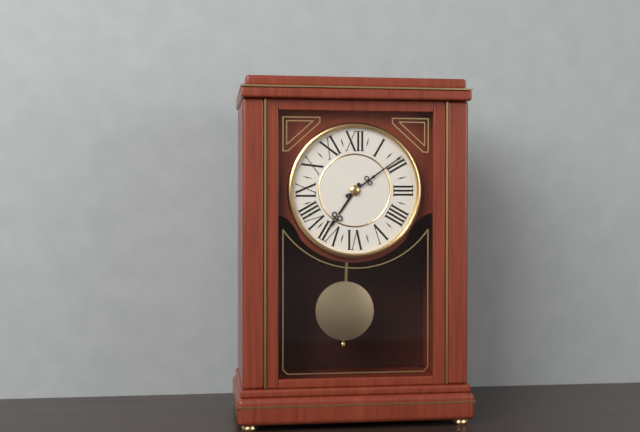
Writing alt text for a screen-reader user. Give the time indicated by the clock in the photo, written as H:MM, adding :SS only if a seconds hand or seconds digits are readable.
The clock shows 7:09
